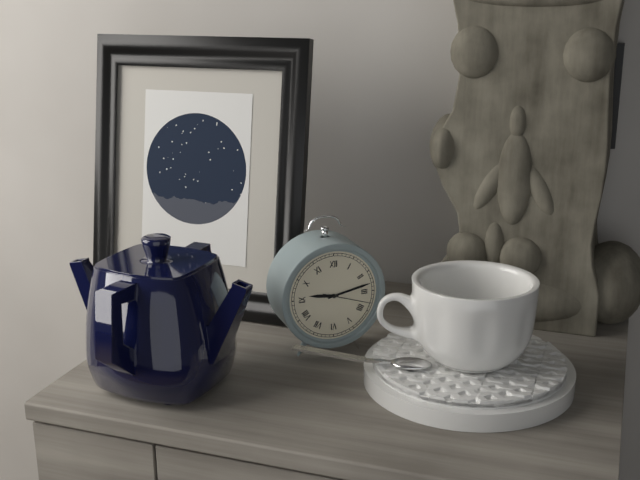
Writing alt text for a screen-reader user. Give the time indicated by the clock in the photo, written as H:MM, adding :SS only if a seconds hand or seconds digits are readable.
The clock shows 9:13
